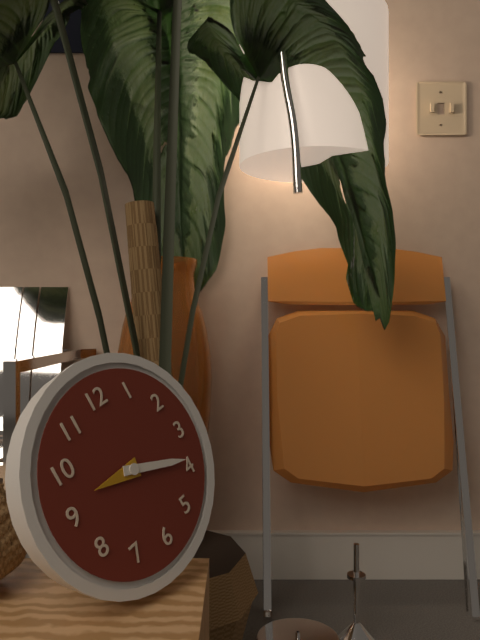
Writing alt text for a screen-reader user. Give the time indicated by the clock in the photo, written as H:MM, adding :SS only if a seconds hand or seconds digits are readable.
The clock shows 9:19
